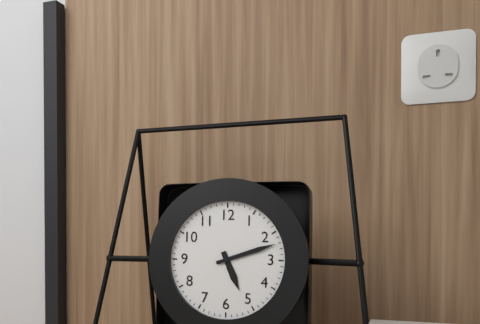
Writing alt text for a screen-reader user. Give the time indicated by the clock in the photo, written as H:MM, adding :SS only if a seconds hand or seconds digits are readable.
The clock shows 5:12
